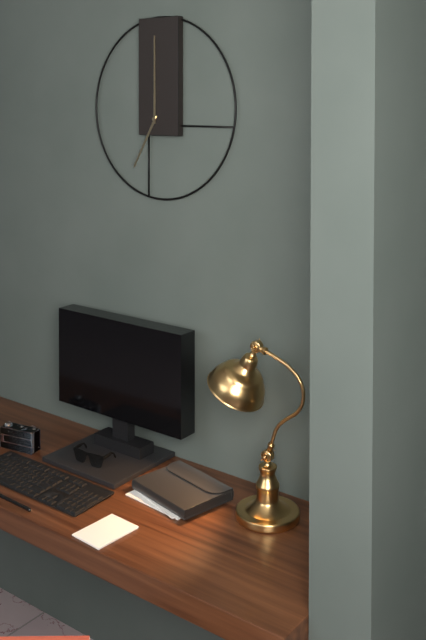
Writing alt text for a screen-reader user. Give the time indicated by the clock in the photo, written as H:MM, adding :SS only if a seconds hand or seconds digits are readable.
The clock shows 7:00
